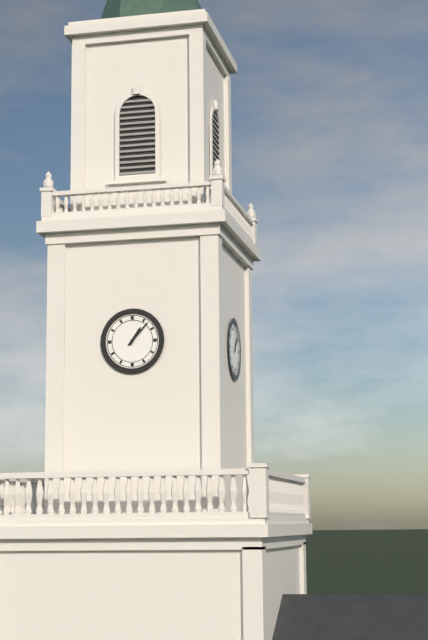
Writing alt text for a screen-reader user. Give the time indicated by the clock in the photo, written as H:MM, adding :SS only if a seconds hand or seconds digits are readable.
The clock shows 1:07
